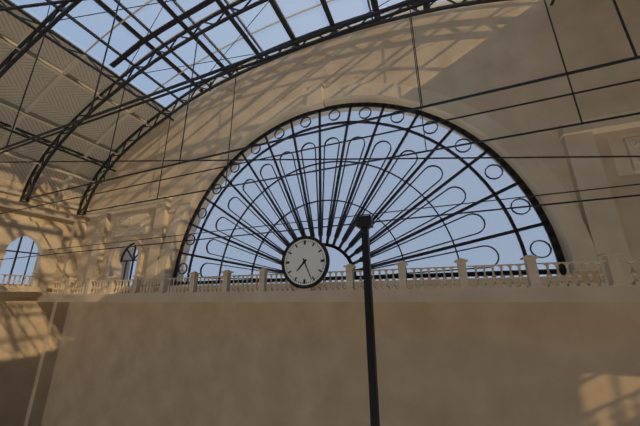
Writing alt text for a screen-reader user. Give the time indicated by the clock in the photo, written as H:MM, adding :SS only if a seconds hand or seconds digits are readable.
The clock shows 7:26
